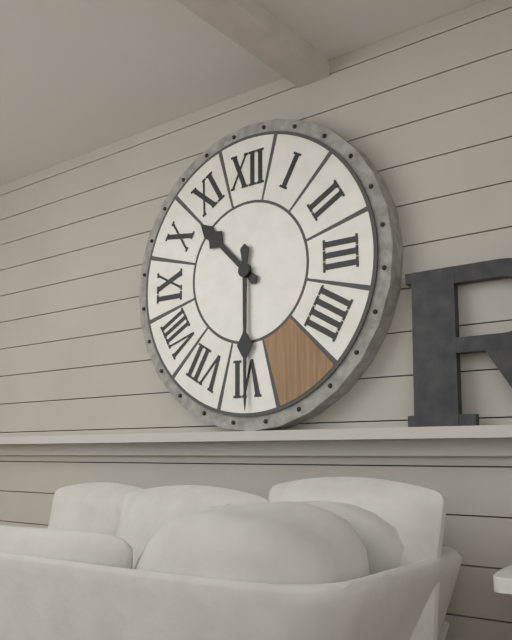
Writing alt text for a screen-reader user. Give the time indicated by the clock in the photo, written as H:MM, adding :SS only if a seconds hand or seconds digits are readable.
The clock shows 10:30
